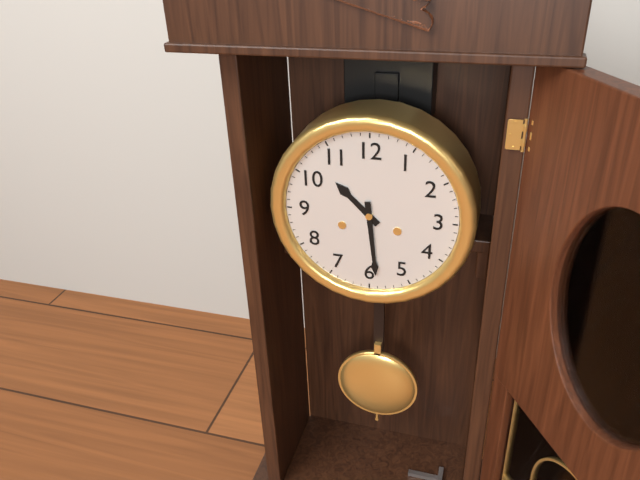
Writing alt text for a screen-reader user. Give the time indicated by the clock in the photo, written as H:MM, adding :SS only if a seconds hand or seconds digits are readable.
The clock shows 10:29
